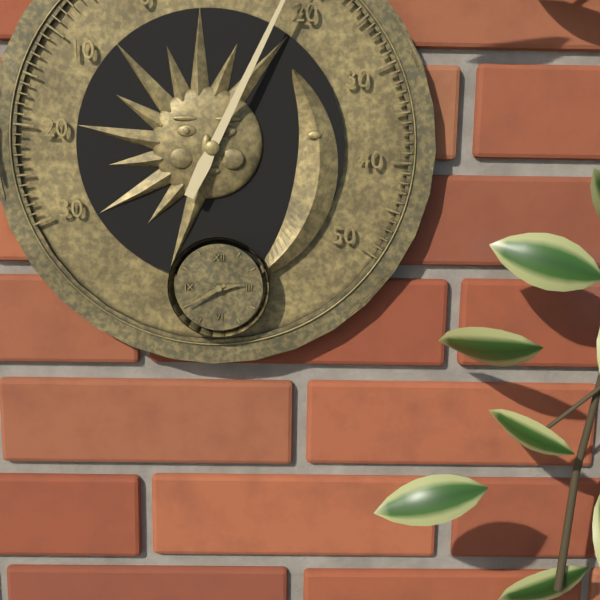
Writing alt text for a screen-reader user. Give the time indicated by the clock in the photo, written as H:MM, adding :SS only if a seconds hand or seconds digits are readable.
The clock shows 2:40
